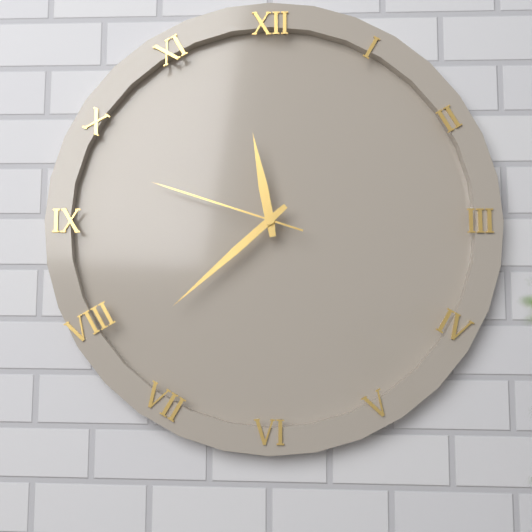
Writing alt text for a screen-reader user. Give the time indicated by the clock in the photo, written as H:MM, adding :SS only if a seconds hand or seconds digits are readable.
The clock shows 11:38:48
